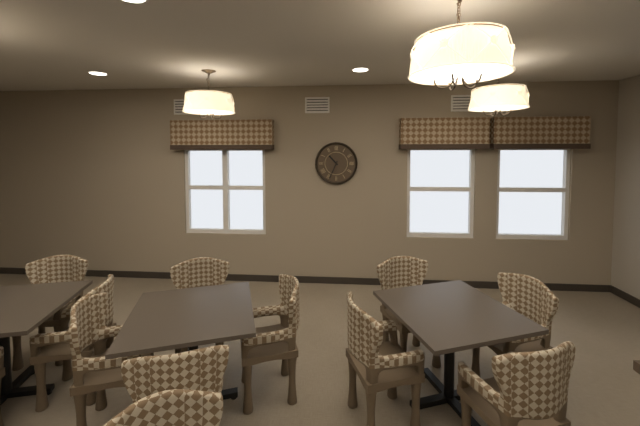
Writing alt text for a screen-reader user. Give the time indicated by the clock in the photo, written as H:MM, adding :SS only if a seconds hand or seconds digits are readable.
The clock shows 10:34
